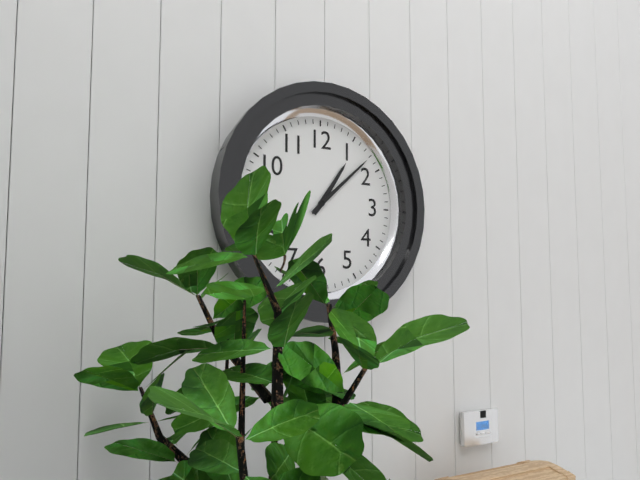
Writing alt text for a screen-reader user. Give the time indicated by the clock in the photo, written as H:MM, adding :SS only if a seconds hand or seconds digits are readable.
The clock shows 1:08
